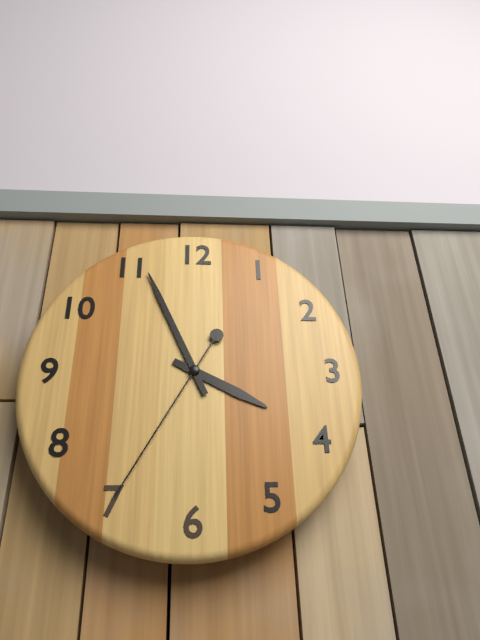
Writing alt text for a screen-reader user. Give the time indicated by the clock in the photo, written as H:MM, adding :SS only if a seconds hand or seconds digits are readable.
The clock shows 3:56:35
